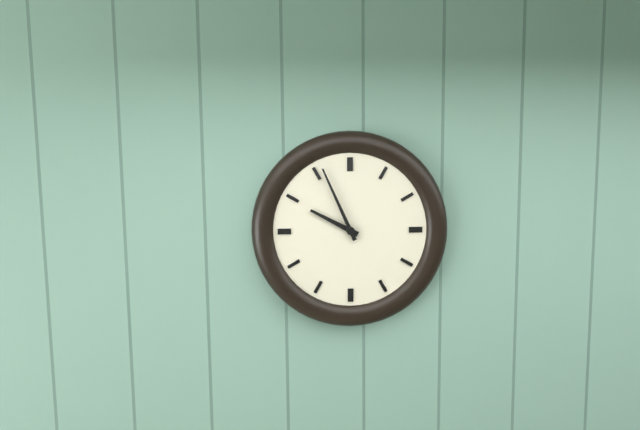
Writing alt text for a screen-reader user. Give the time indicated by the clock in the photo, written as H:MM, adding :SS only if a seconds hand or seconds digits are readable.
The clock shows 9:56
